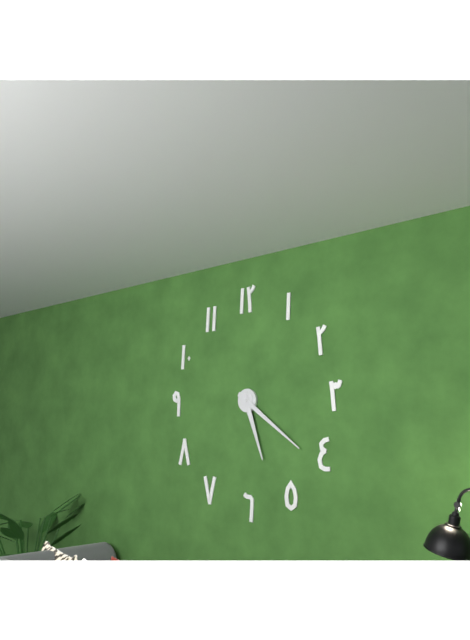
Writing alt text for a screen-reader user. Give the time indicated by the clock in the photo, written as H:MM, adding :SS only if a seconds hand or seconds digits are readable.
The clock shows 5:21
